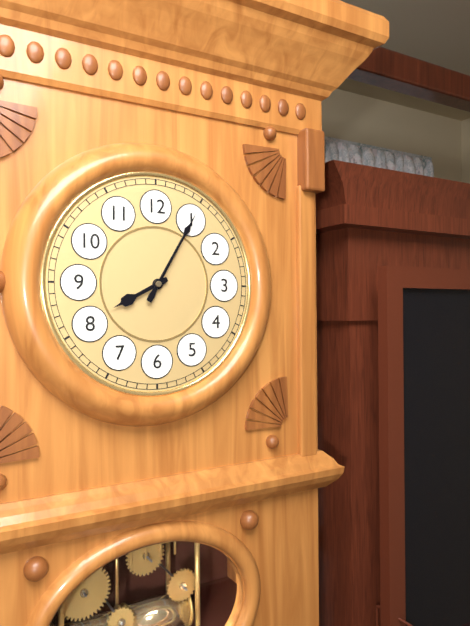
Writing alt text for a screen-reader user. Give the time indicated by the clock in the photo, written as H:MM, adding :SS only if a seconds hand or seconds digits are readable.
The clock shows 8:05
